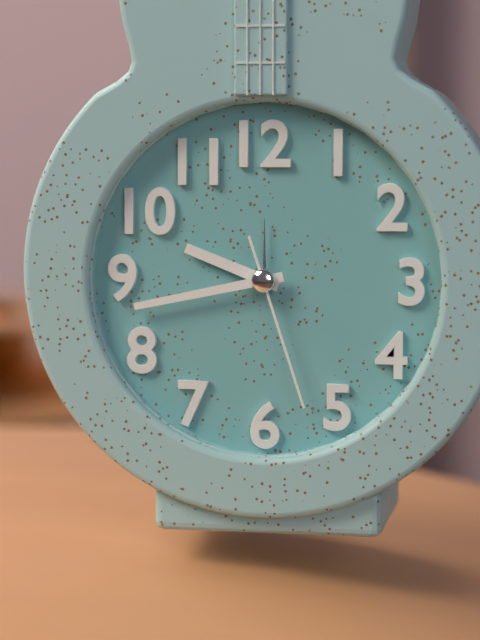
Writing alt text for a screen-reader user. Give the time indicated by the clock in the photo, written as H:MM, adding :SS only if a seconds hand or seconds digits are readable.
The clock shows 9:43:27
